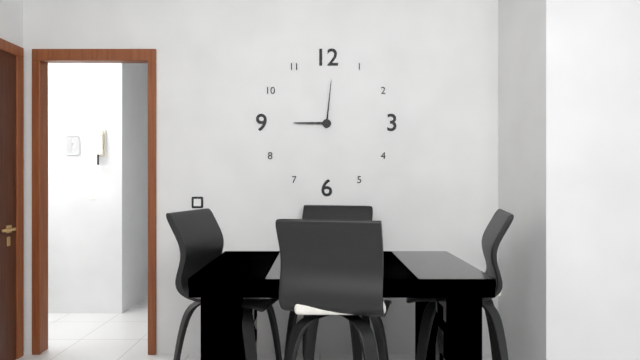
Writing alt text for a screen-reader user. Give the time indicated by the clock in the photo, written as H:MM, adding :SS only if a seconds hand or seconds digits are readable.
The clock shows 9:01
